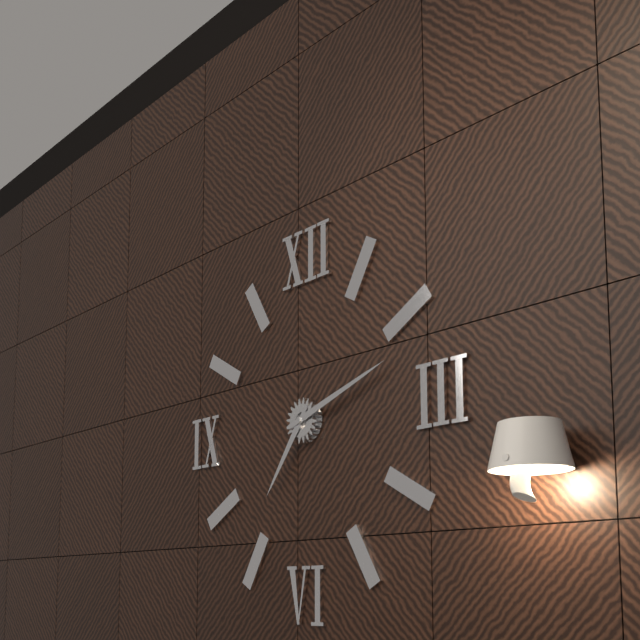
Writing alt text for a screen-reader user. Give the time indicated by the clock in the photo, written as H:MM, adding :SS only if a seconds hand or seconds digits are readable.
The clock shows 7:12
